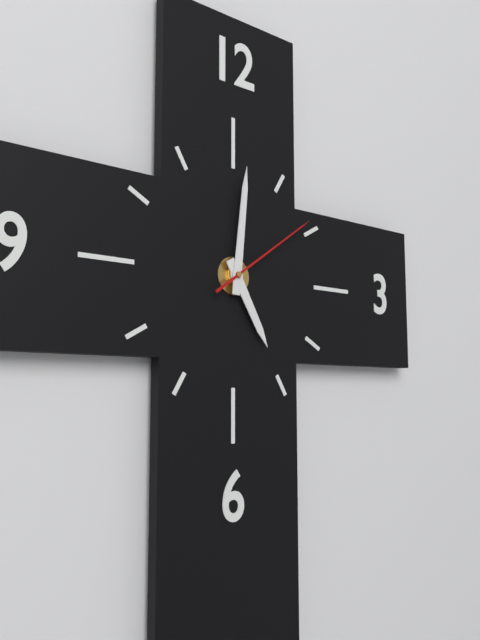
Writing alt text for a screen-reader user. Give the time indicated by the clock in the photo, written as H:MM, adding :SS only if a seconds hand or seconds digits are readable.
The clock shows 5:01:09
